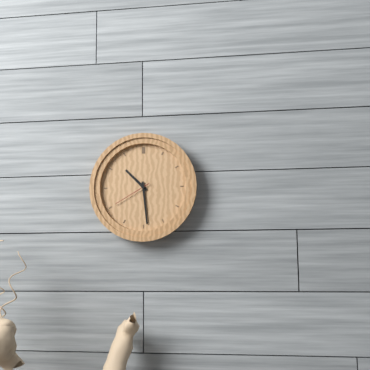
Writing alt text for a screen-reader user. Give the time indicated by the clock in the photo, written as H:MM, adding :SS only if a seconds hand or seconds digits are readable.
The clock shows 10:29
